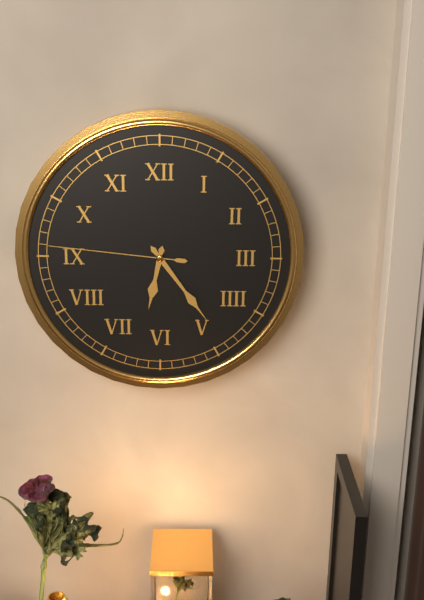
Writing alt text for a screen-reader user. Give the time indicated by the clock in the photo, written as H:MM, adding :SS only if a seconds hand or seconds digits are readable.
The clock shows 6:24:46
